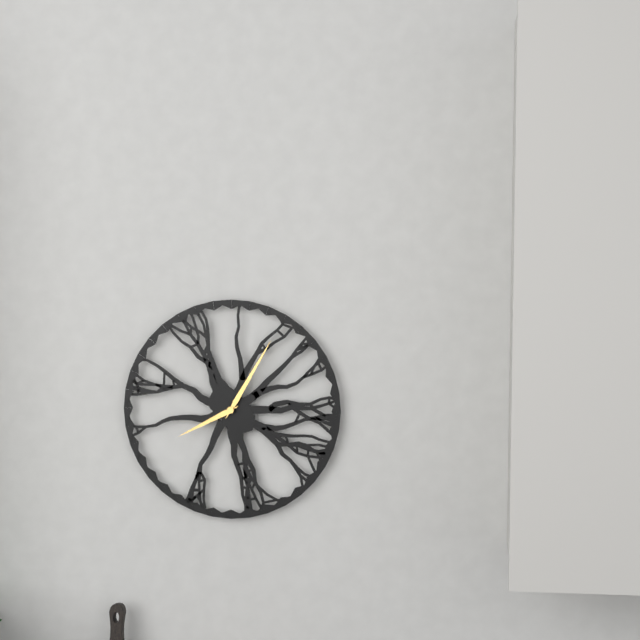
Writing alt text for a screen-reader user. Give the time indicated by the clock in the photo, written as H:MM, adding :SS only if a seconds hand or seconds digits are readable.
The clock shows 8:05
